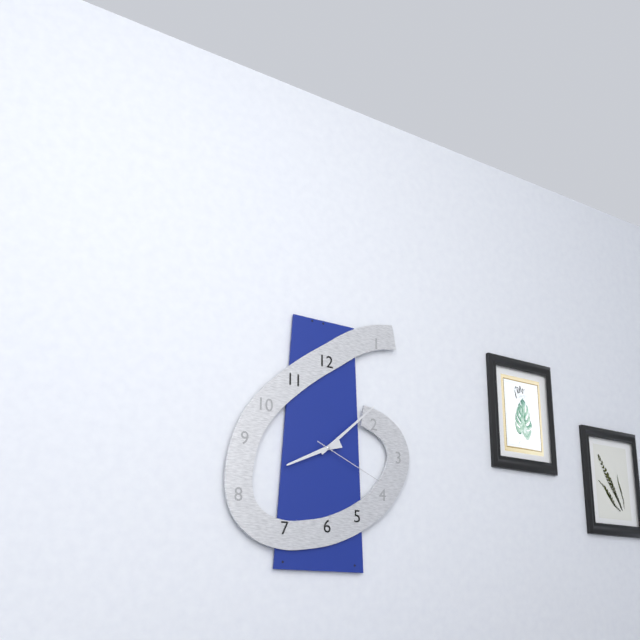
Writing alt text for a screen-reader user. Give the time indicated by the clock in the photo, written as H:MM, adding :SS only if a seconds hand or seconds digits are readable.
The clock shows 8:08:19
